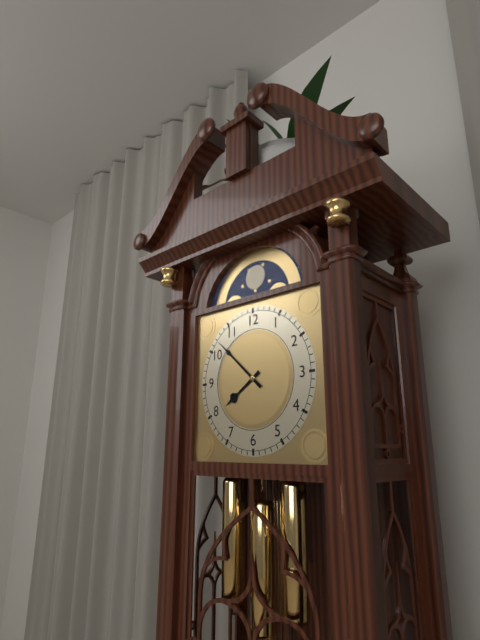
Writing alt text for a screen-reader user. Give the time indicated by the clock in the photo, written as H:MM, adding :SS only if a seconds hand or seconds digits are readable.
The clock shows 7:52
